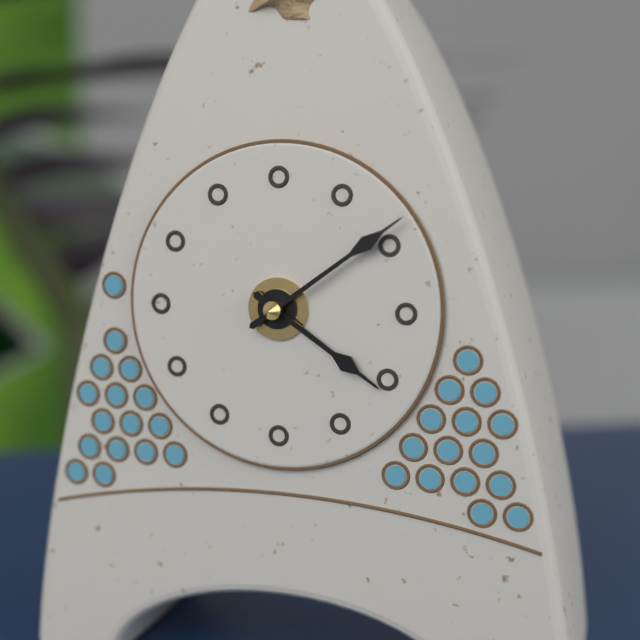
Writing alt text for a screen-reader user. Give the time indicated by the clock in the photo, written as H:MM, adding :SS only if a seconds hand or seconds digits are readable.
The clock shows 4:09
